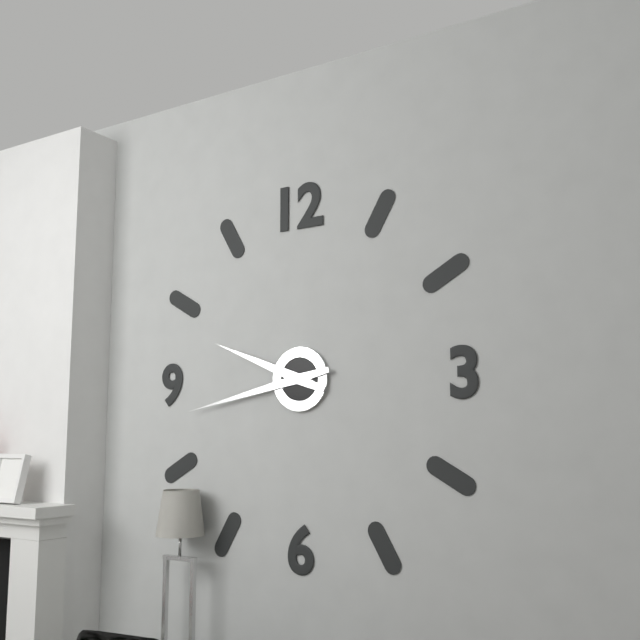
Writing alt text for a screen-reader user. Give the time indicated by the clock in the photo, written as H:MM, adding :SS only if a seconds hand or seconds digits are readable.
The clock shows 9:43
